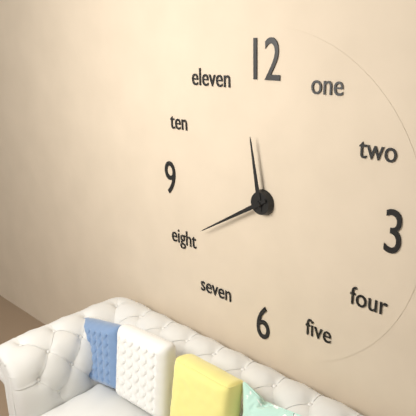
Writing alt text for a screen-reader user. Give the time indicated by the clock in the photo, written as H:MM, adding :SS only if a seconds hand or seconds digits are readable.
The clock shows 11:40
